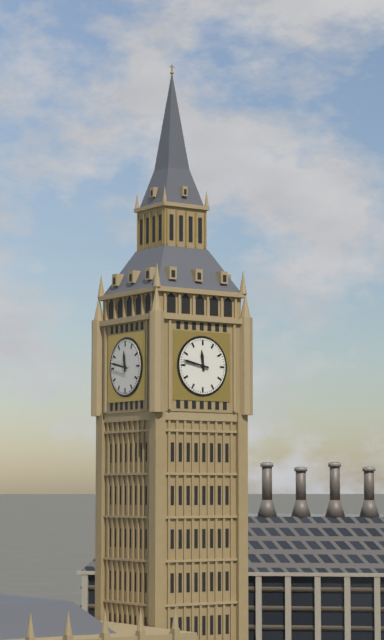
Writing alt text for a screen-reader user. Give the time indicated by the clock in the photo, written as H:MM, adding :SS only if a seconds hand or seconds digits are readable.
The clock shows 11:47
